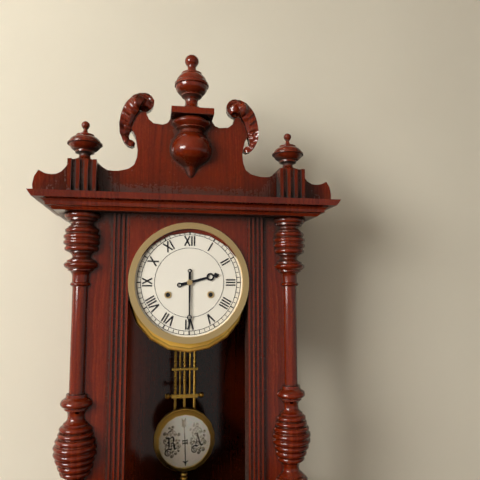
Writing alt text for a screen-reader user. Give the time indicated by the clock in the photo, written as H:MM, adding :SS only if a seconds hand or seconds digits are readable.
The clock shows 2:30
